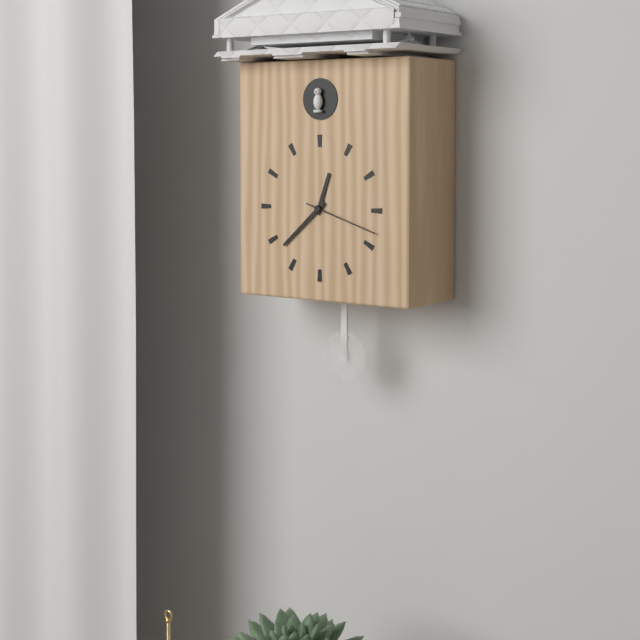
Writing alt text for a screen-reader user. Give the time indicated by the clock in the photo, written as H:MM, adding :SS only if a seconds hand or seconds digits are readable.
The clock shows 12:38:18
